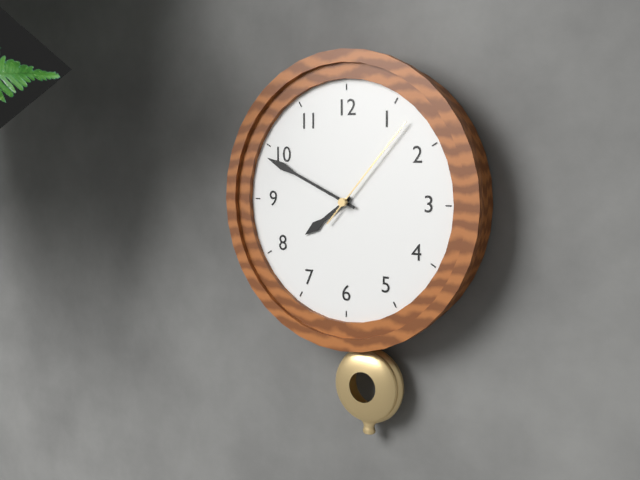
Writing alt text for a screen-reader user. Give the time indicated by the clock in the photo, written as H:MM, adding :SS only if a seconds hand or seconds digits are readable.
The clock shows 7:49:07
